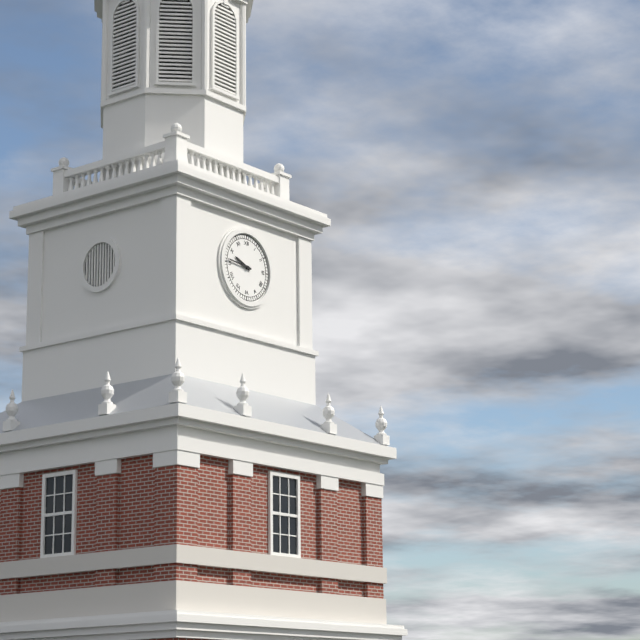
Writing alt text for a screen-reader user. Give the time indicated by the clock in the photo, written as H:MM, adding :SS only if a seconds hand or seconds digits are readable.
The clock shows 9:46
